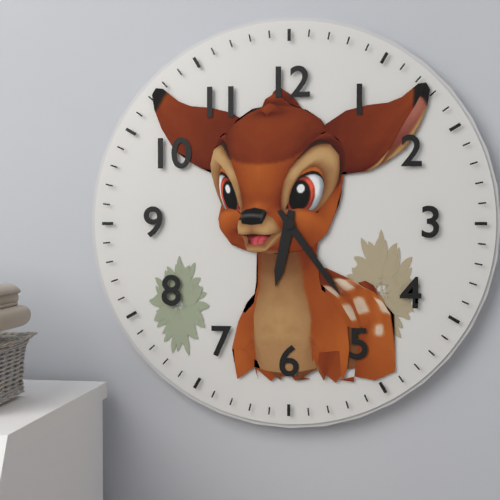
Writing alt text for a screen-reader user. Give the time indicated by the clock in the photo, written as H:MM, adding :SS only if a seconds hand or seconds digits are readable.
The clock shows 6:24
